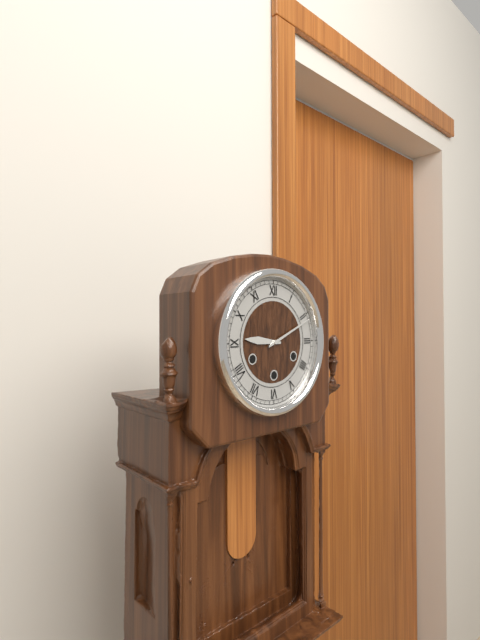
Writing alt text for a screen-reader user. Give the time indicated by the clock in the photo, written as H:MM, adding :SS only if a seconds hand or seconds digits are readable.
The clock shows 9:11
